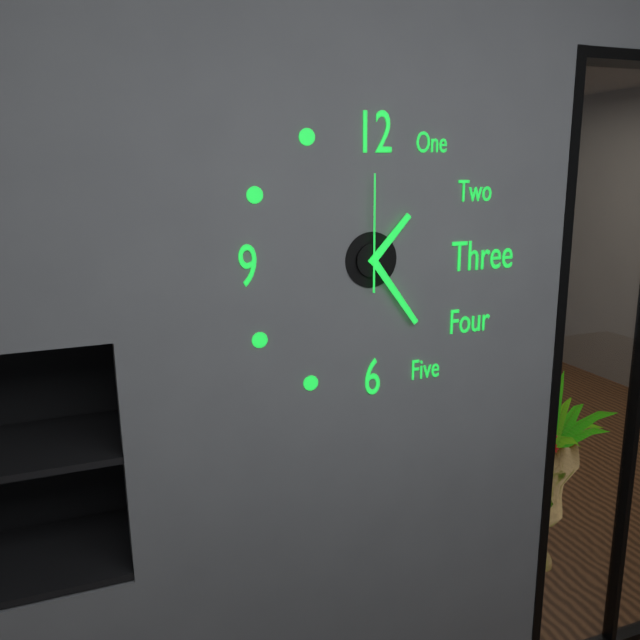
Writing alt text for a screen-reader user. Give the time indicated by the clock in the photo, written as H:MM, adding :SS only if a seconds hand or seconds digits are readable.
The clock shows 1:24:00
